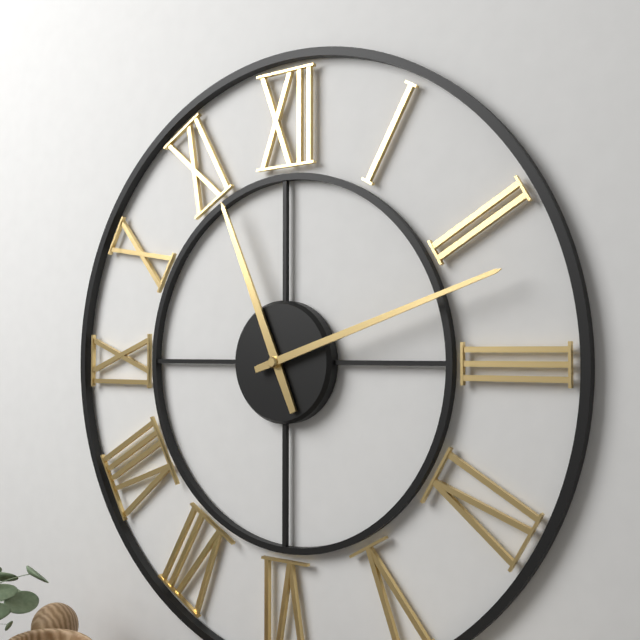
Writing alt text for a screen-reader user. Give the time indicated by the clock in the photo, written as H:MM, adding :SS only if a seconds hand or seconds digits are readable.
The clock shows 11:12
